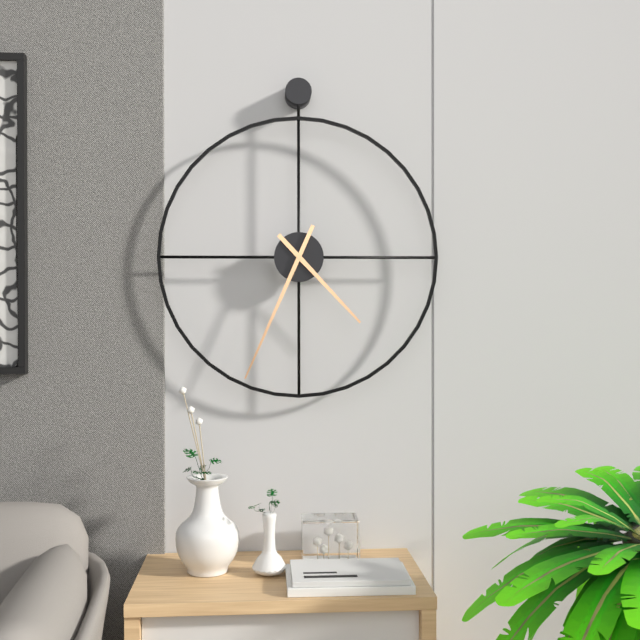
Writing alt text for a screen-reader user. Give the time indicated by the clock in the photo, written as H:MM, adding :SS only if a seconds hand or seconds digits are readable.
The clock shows 4:34
